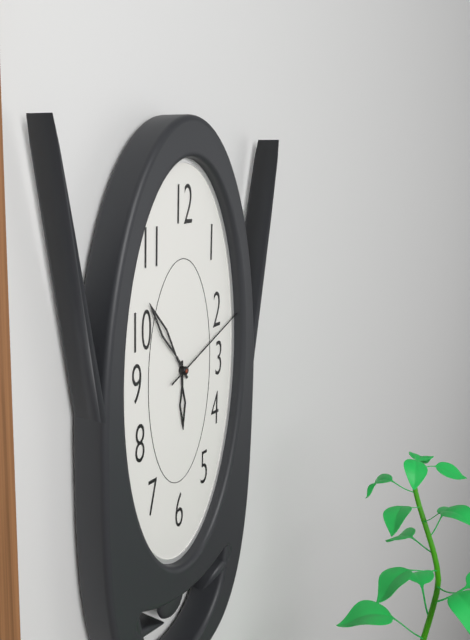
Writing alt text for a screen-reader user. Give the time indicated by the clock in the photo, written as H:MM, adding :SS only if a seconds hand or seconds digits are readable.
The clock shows 5:54:11
